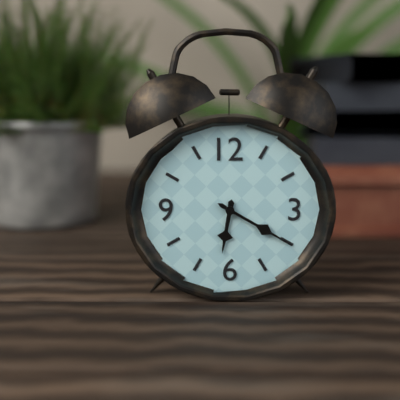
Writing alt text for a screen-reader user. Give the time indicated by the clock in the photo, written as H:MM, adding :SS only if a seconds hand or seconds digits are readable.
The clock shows 6:20
